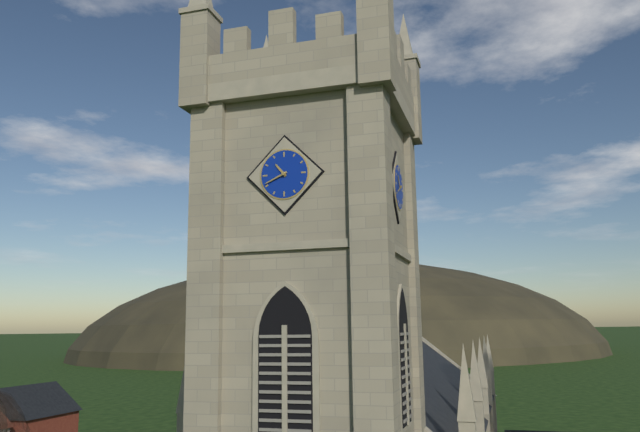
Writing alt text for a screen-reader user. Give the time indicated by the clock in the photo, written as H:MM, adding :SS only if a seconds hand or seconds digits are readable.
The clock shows 10:41
